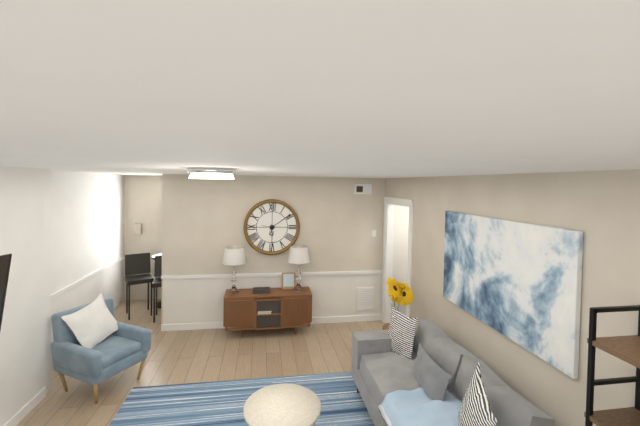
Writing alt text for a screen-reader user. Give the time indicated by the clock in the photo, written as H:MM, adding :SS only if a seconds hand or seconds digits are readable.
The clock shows 6:09
